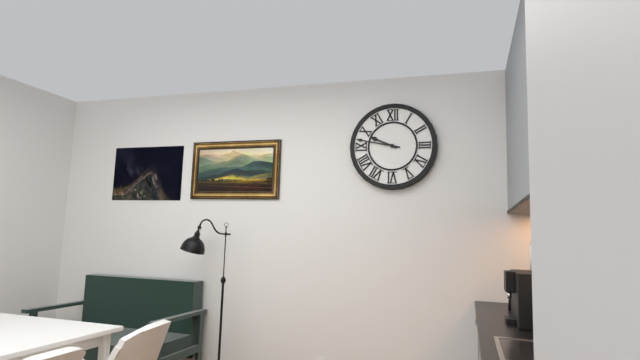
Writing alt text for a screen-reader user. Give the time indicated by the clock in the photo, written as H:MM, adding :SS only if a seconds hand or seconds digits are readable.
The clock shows 9:47
